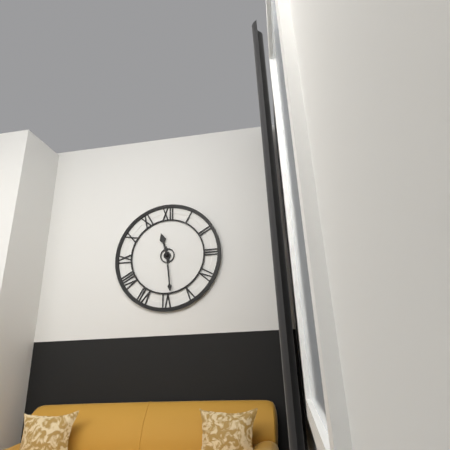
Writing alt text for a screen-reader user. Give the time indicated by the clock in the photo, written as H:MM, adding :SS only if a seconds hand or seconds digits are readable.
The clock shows 11:29
